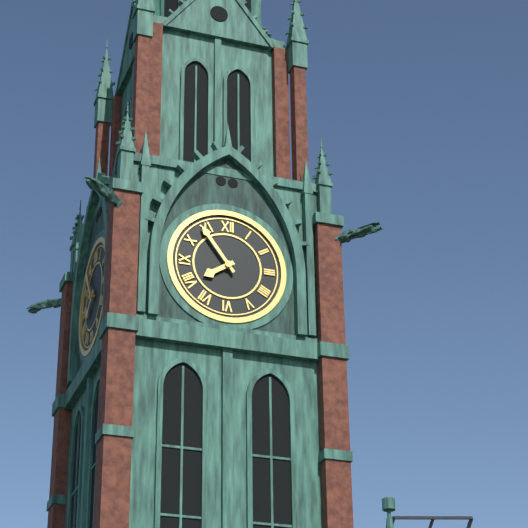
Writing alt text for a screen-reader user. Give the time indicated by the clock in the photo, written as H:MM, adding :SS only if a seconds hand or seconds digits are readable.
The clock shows 7:54
